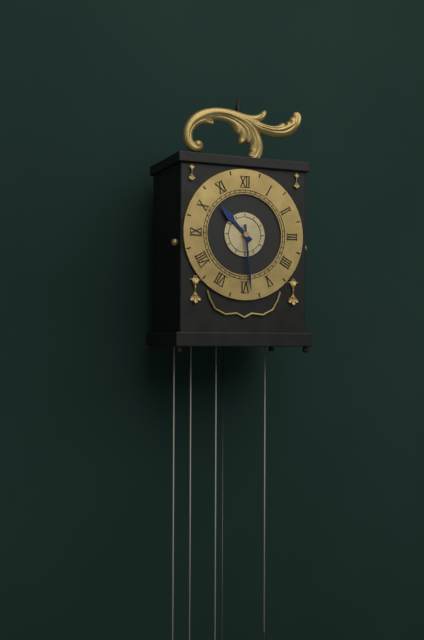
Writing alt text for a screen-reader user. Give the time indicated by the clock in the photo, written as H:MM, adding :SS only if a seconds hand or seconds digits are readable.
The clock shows 10:29
